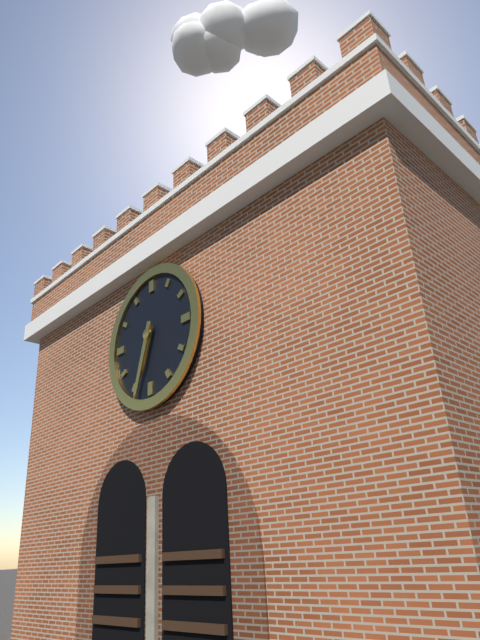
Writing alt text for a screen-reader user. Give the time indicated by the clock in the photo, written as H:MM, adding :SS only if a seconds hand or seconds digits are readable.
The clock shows 6:33
